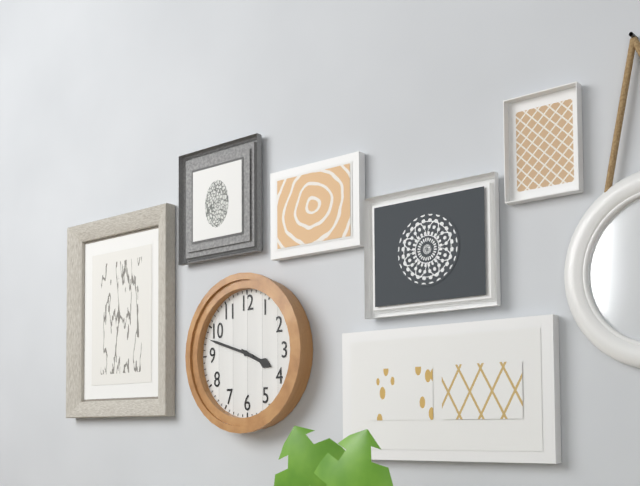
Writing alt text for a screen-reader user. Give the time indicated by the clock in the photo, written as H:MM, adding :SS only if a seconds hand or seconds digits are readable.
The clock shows 3:48
